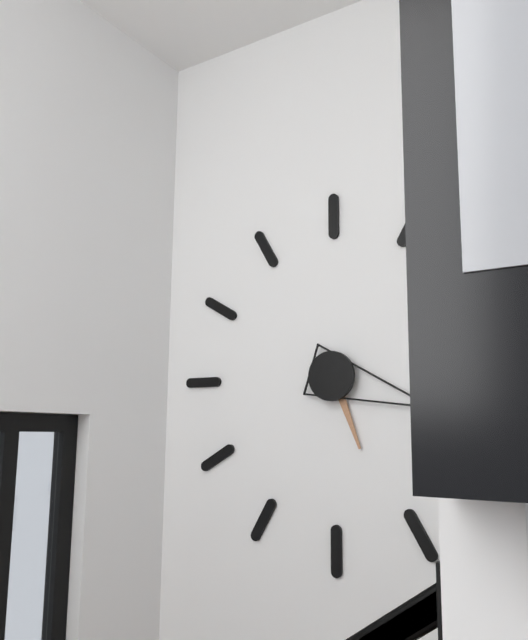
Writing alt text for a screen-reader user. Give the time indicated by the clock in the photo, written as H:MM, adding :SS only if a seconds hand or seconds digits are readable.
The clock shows 5:18
